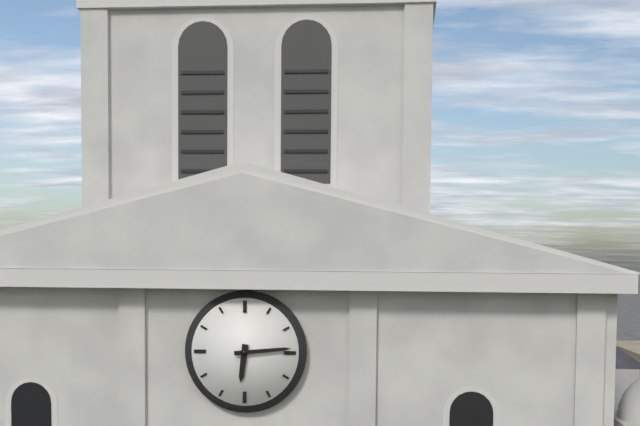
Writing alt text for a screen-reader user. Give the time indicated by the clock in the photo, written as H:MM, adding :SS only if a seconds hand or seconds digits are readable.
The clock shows 6:14
